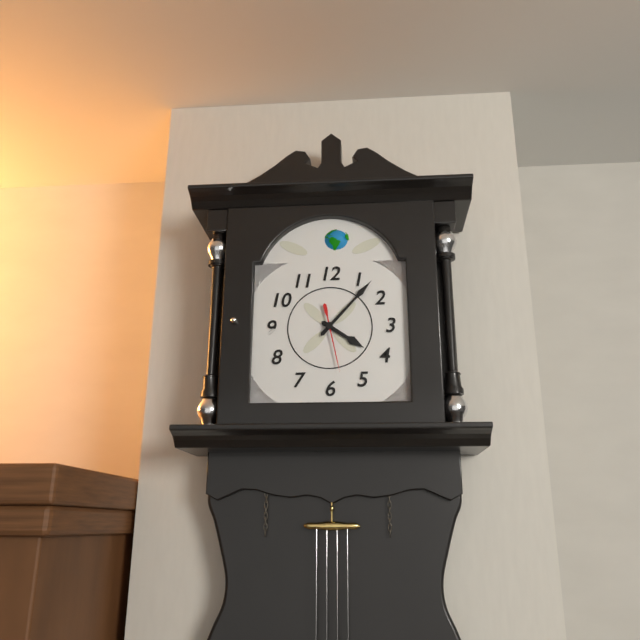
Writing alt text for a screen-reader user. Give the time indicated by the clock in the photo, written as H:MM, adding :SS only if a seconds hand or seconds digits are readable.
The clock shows 4:07:28
